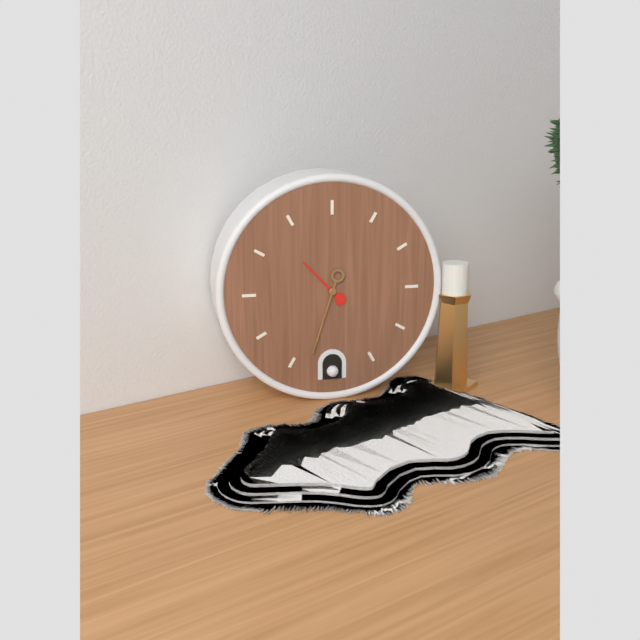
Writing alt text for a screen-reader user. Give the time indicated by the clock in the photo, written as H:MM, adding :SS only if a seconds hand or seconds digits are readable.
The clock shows 10:33
